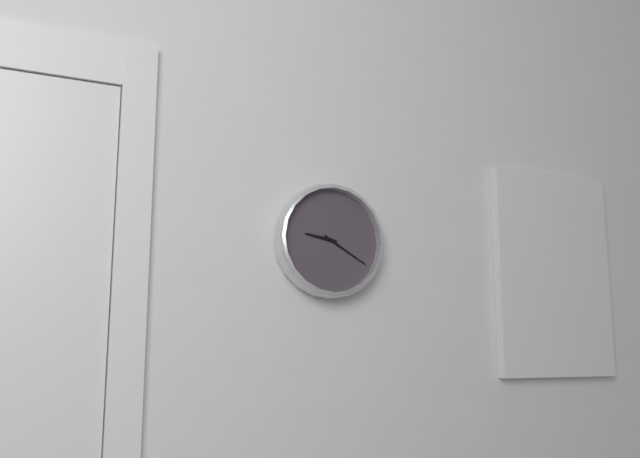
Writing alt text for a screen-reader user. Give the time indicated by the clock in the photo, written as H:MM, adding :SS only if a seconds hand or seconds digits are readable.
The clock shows 9:20
